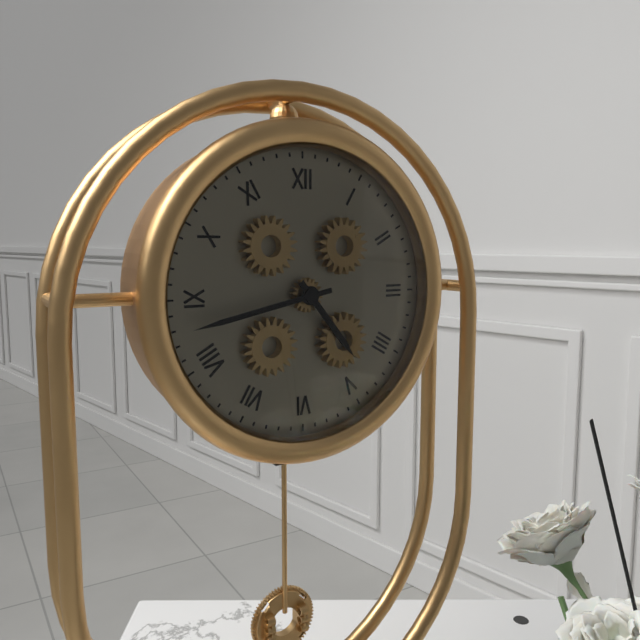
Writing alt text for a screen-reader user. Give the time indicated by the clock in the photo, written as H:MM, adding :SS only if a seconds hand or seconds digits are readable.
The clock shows 4:43
